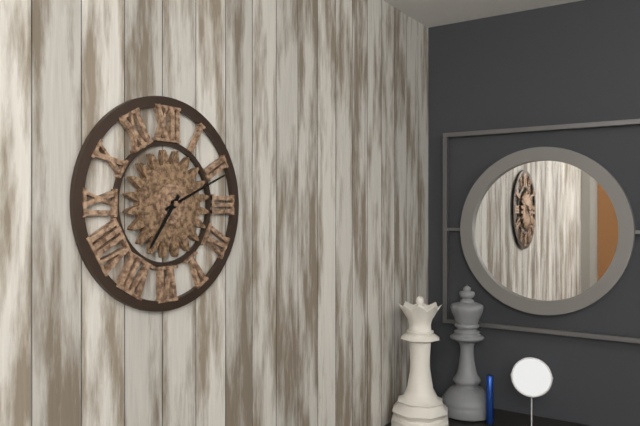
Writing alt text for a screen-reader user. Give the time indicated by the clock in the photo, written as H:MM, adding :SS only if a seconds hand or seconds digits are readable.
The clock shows 7:11
